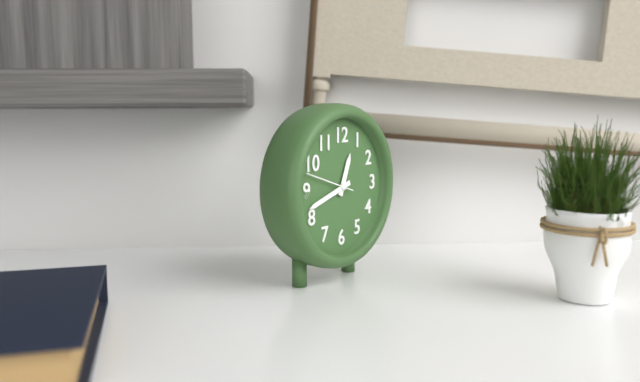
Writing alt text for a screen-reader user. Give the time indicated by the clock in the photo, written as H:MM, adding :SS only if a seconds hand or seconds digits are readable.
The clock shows 12:42:48
